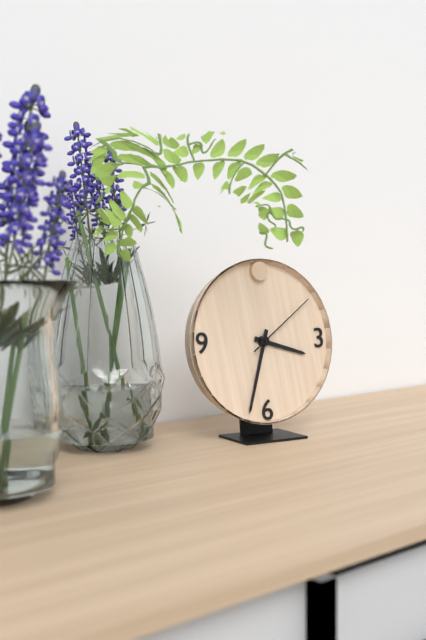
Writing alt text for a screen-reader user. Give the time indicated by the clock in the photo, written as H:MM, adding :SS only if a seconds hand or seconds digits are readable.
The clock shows 3:33:09
